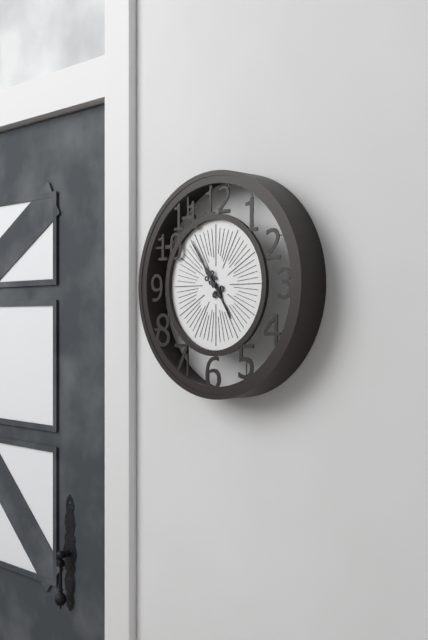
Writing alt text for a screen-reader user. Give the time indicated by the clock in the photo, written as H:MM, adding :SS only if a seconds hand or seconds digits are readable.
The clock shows 4:54
